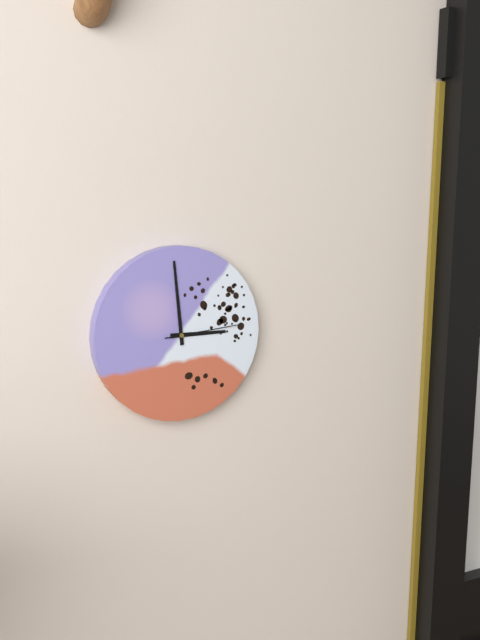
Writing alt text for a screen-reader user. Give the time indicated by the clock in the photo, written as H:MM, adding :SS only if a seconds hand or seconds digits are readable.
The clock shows 2:59:14
